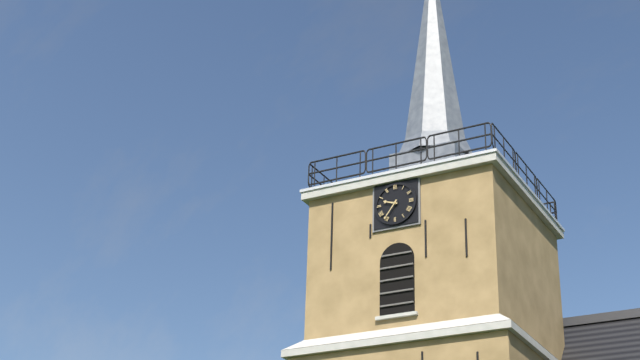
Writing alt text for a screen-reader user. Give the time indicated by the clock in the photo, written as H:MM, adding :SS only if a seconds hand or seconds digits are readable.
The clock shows 9:36
